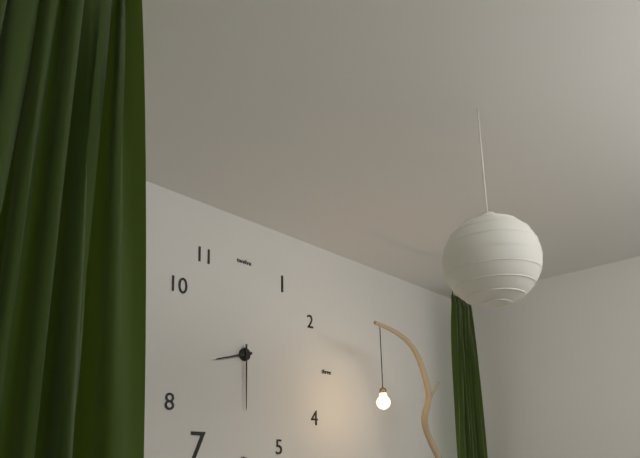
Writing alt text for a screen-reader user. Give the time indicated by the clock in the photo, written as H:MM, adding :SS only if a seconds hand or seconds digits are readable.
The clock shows 8:30
